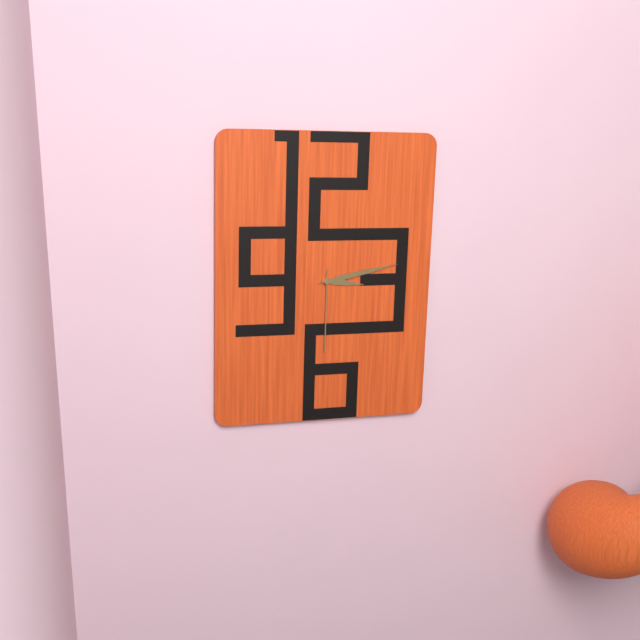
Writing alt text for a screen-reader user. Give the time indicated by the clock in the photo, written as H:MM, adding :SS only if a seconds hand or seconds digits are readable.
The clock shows 3:13:30
